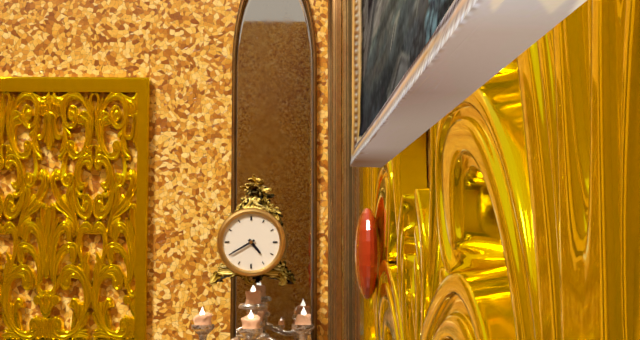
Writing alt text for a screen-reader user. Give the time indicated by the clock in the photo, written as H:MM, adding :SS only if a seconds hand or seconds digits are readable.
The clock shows 4:40
